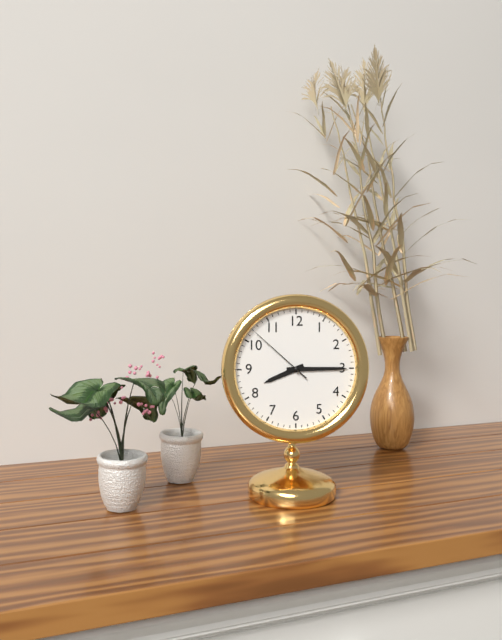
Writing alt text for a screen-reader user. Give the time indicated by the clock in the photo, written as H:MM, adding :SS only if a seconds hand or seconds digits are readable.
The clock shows 8:15:52
